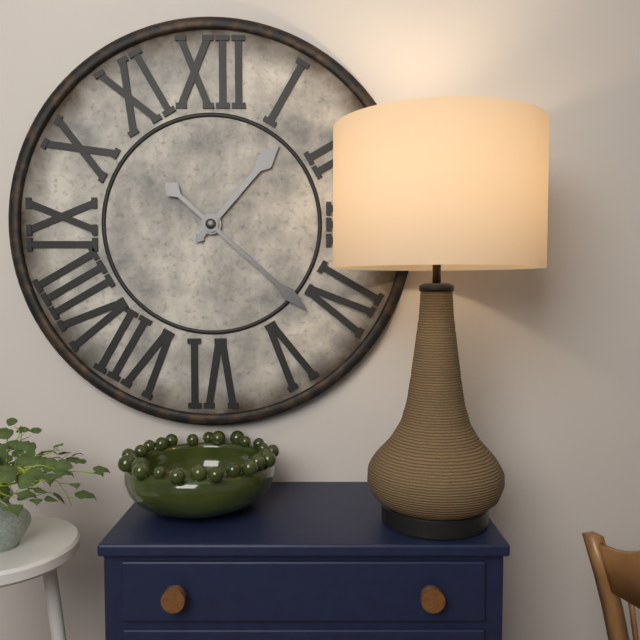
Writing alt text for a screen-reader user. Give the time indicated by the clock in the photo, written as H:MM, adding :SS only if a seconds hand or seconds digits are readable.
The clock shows 1:22
